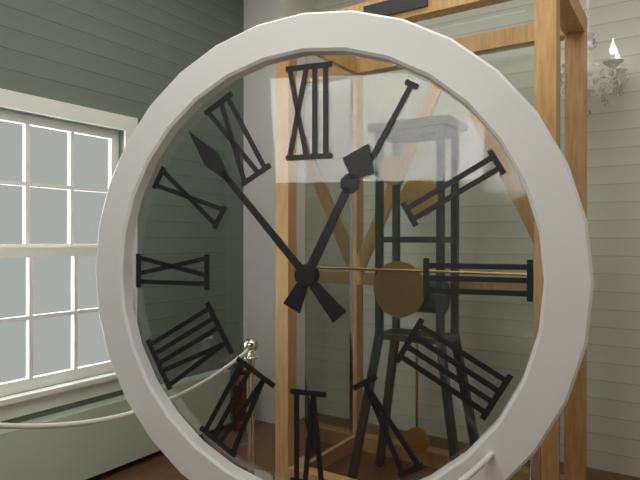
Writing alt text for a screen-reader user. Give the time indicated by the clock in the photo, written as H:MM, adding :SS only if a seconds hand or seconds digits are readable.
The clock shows 12:53
